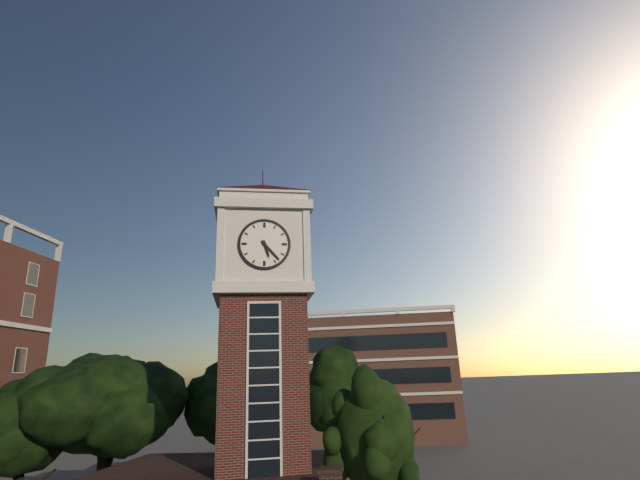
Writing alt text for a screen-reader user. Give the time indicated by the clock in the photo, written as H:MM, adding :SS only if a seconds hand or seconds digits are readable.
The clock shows 5:23
